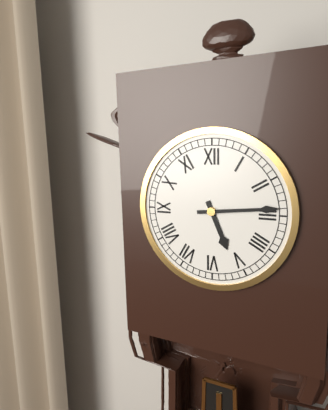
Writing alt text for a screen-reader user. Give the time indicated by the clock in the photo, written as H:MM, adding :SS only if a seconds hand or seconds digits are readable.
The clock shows 5:14
